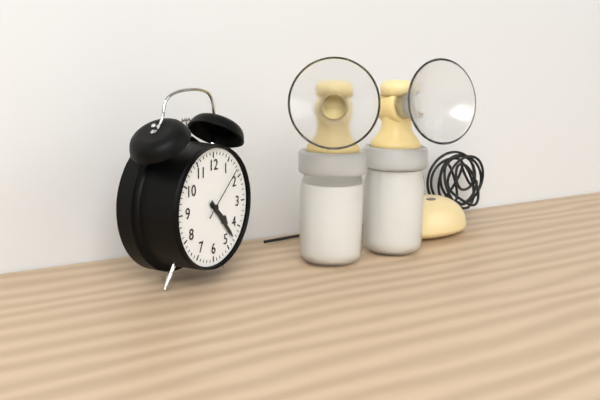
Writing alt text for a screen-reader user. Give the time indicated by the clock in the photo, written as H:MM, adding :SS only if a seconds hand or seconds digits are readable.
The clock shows 4:23:08
